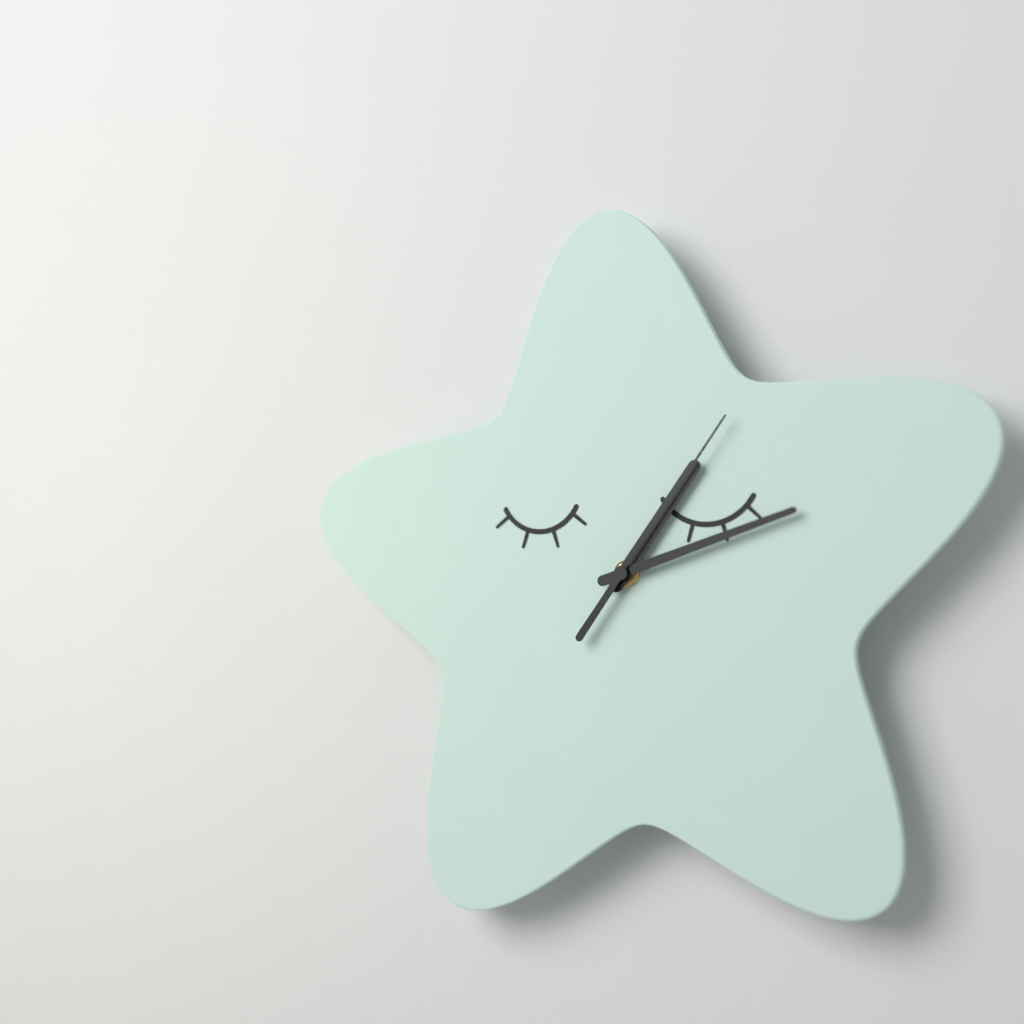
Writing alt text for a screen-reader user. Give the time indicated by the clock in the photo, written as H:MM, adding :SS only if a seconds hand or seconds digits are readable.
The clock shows 1:12:06
